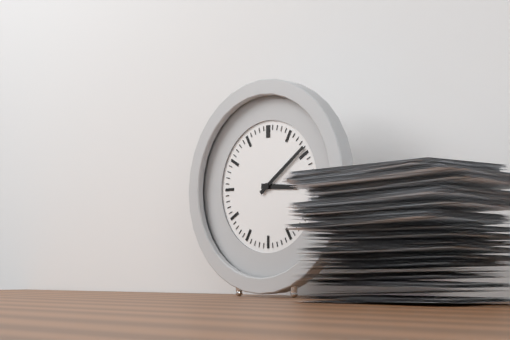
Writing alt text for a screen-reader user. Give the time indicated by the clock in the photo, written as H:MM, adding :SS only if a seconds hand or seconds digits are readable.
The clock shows 3:09
